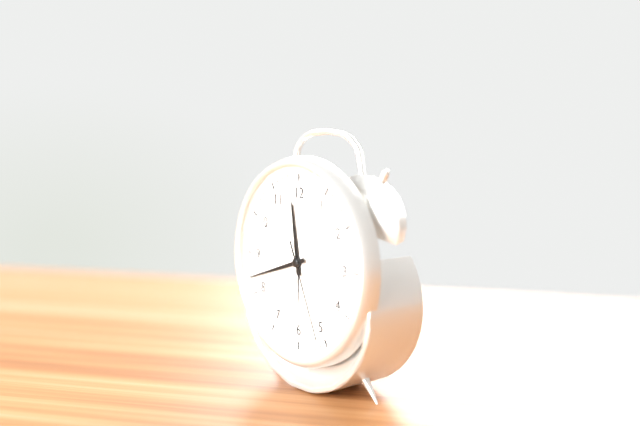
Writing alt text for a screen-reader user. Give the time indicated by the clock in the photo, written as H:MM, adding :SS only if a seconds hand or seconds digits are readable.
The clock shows 11:42:26
